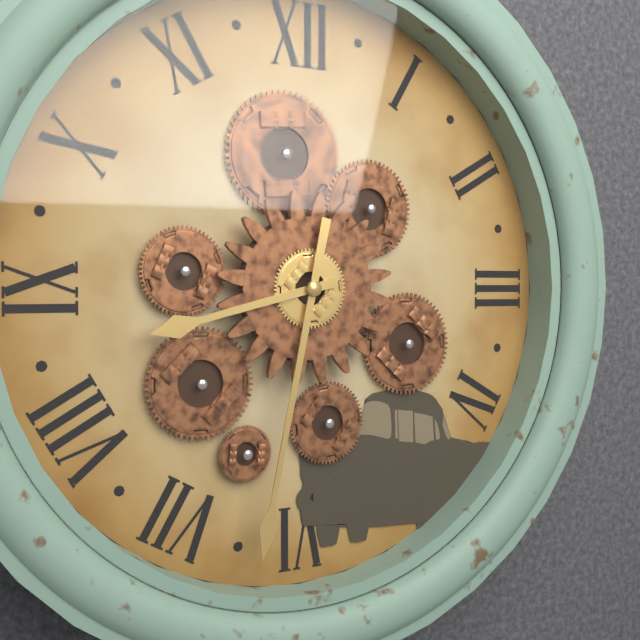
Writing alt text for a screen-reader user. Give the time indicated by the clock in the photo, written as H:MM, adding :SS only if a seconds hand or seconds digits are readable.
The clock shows 8:32
